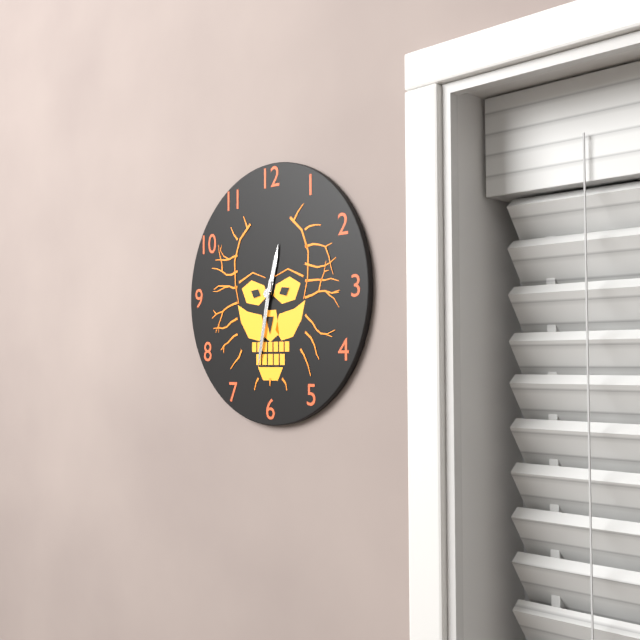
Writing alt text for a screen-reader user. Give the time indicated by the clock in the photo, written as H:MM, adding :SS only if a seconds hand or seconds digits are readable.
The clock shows 12:32
